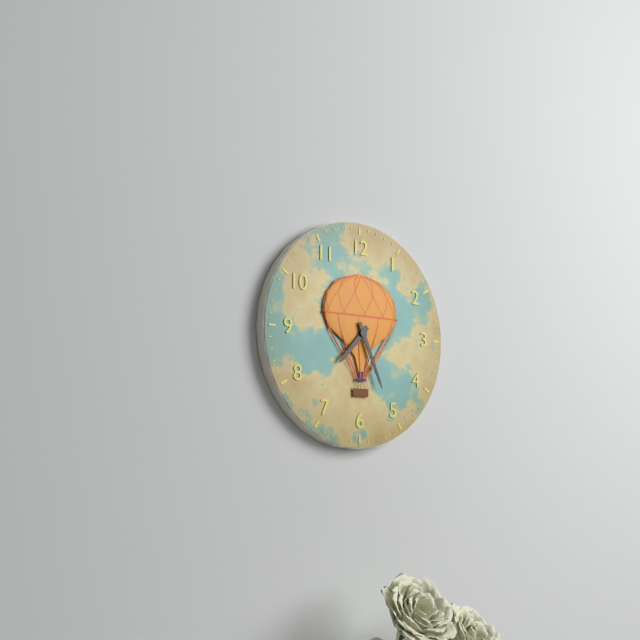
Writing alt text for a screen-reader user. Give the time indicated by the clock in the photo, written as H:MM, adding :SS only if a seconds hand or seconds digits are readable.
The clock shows 7:26
